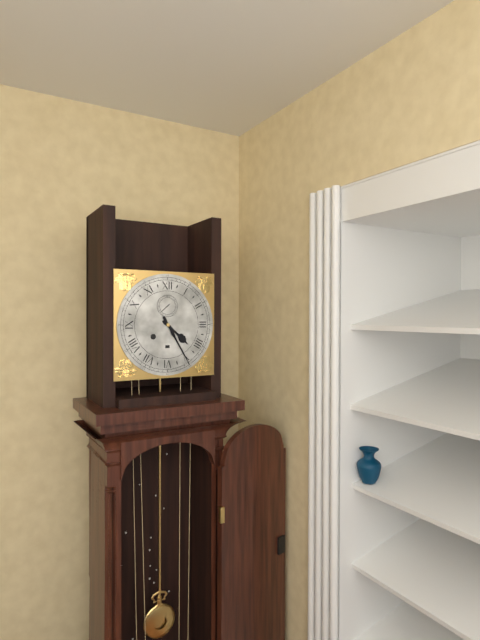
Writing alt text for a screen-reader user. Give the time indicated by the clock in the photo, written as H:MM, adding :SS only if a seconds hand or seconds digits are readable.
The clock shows 4:25
